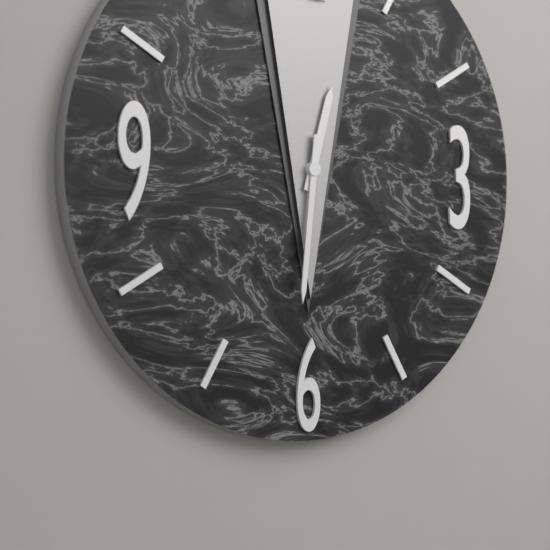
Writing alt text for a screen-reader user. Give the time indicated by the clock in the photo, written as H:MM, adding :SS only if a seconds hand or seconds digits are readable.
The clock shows 12:31
